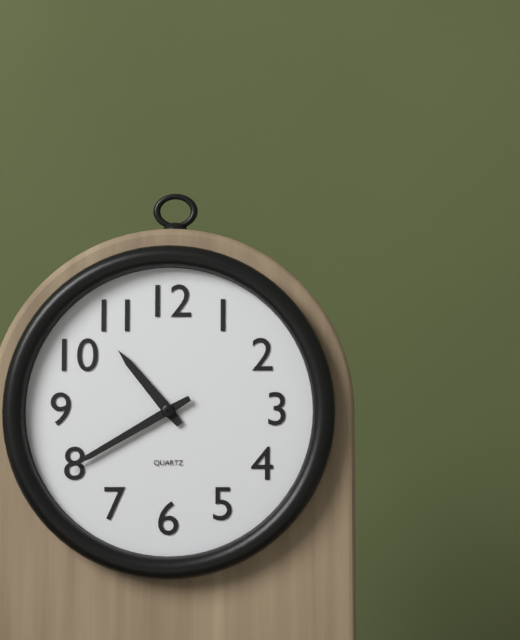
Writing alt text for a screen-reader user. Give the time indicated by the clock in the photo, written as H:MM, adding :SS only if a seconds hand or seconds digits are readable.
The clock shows 10:40
